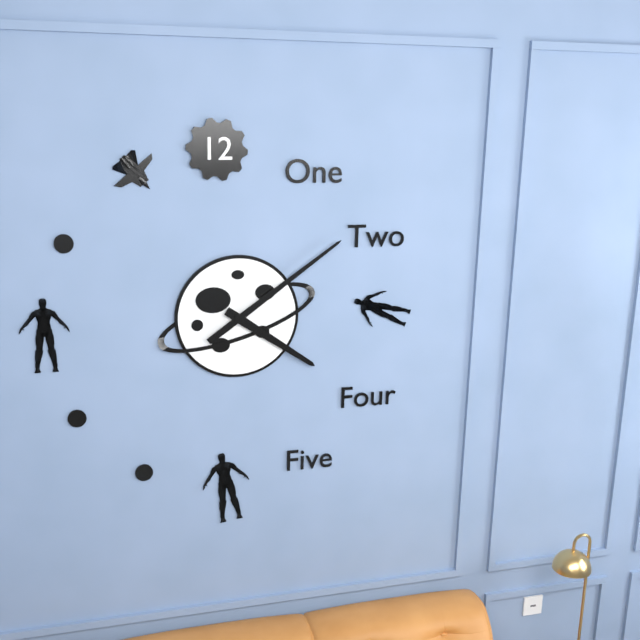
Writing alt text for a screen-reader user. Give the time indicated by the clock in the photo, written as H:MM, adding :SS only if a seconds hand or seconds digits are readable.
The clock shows 4:09
